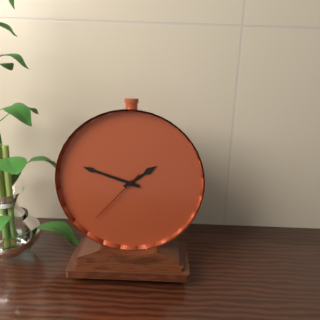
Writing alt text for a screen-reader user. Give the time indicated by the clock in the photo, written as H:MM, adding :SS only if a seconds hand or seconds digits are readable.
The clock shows 1:48:37
